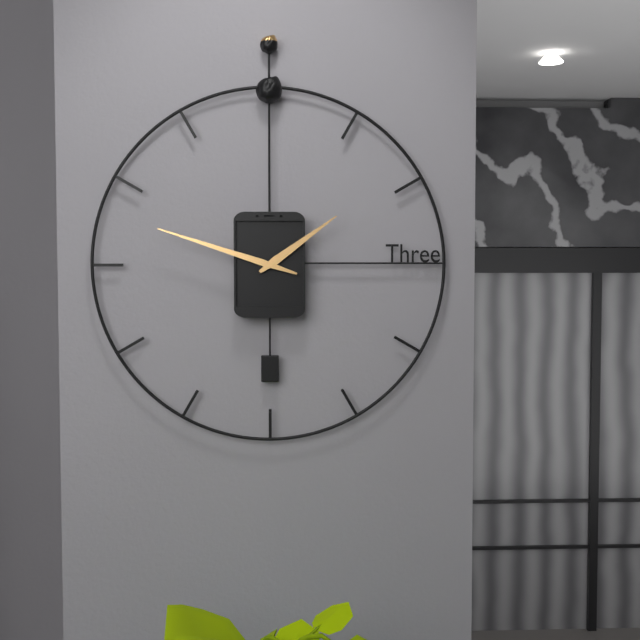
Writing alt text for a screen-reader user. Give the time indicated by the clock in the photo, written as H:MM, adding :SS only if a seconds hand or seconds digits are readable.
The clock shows 1:48
